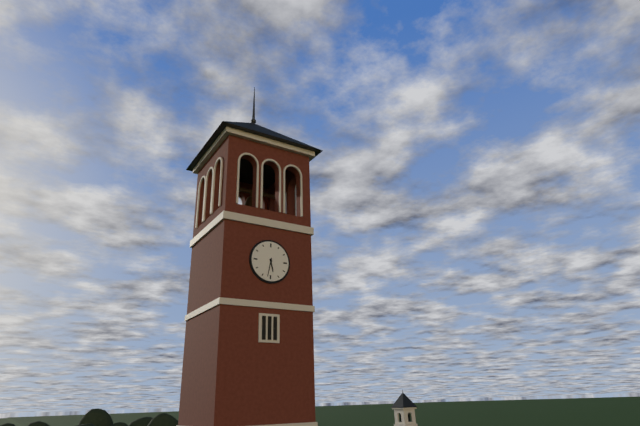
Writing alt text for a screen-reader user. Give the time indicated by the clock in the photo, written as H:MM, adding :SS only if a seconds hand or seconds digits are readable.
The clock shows 5:32
